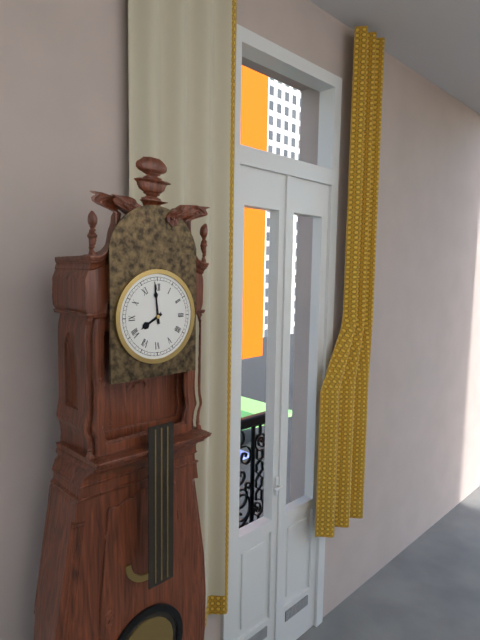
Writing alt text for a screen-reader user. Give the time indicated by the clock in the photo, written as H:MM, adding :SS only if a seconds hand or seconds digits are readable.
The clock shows 7:59
